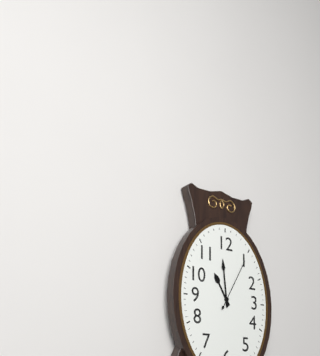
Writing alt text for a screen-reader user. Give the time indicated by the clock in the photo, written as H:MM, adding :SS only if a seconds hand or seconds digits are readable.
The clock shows 10:59:05
